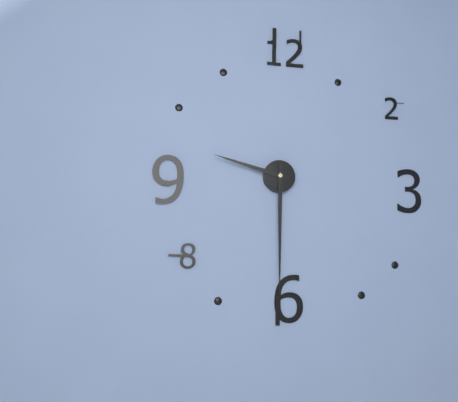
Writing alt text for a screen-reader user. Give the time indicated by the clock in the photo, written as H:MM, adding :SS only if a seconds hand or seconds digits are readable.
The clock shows 9:30
